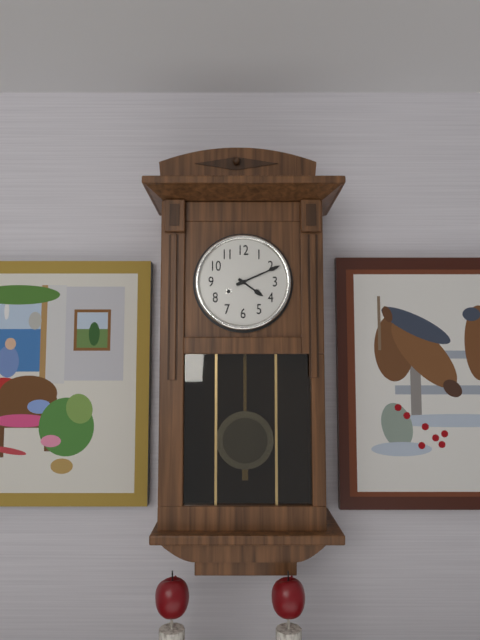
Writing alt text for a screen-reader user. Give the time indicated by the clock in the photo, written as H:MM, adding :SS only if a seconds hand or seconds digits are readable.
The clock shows 4:11
